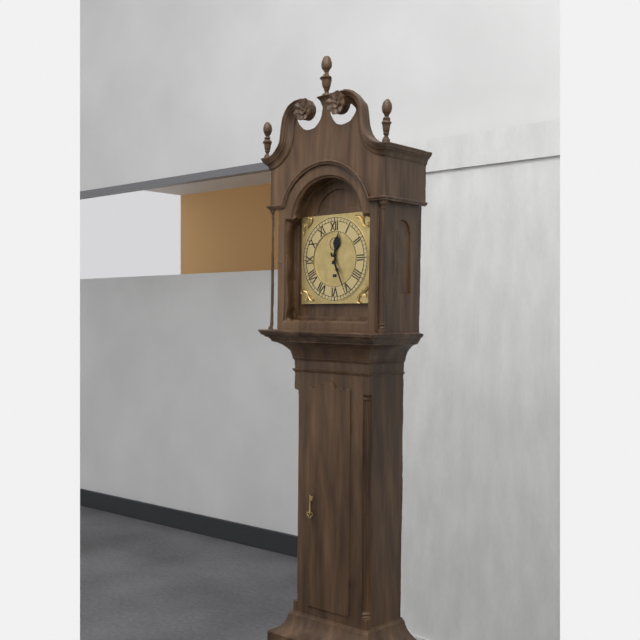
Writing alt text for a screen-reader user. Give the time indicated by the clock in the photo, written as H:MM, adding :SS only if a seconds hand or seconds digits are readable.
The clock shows 12:26
